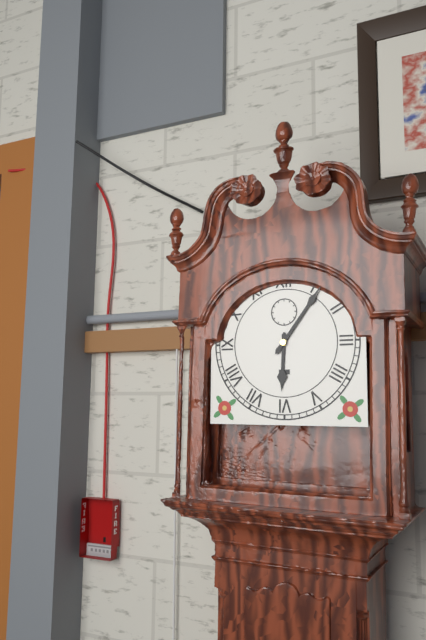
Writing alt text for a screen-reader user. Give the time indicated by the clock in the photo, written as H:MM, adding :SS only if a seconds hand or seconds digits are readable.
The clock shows 6:06
